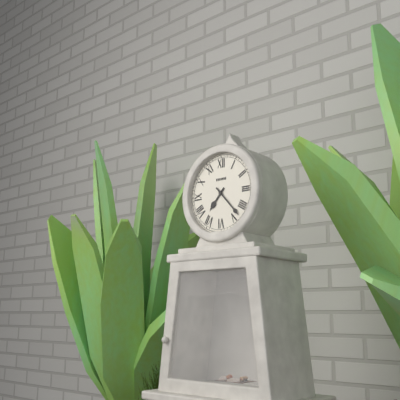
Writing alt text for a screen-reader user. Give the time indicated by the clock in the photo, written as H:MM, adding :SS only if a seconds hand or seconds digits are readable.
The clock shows 7:23
